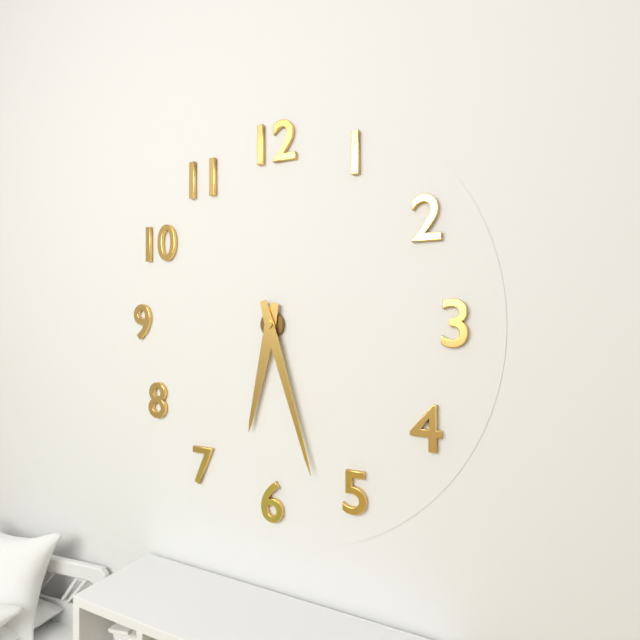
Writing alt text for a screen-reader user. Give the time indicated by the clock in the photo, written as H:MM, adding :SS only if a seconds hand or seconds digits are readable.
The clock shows 6:27
